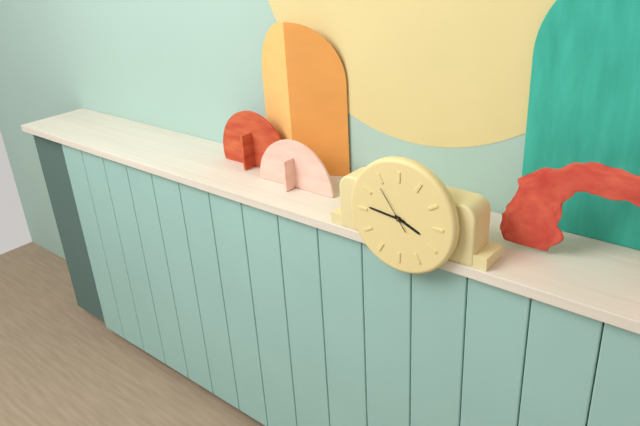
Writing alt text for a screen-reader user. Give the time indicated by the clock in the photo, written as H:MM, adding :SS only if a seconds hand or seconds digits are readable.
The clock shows 3:46
